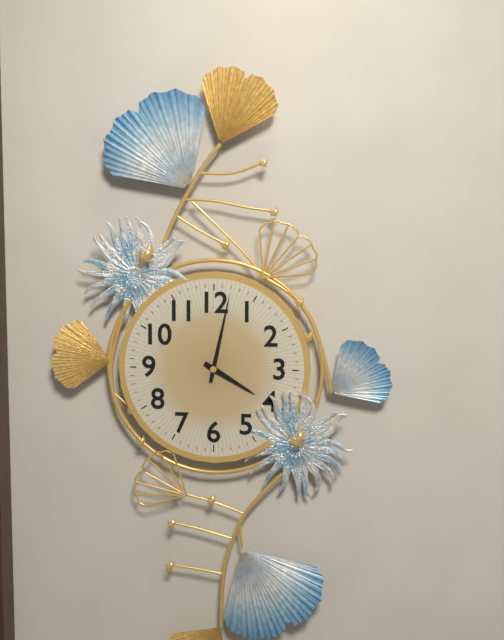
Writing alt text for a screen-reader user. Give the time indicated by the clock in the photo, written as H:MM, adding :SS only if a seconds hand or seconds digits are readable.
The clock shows 4:02
